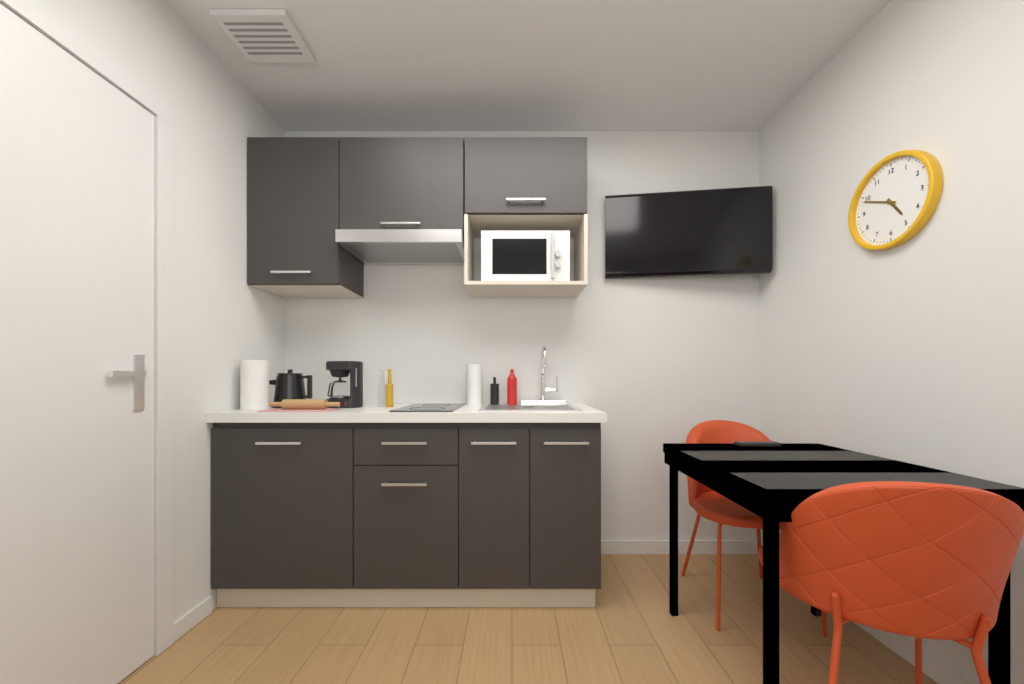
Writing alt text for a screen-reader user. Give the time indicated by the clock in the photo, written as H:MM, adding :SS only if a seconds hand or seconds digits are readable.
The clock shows 4:49
